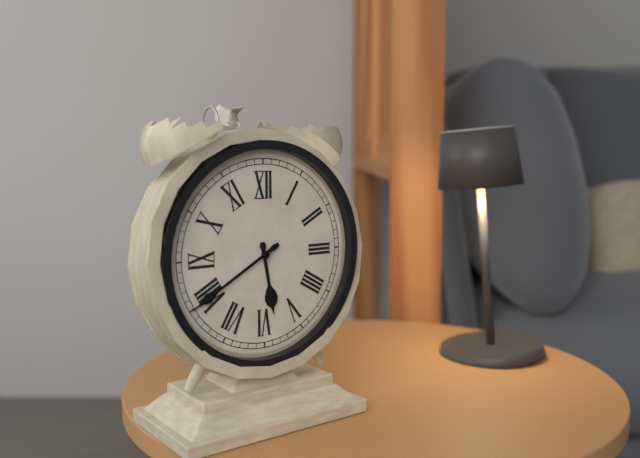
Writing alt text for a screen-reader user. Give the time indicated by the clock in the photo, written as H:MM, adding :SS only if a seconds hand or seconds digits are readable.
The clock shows 5:40
